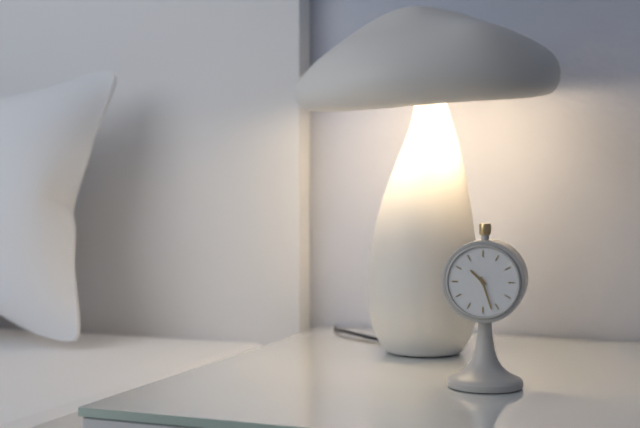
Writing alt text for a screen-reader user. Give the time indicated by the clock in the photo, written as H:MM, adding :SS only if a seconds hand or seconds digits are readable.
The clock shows 10:27
